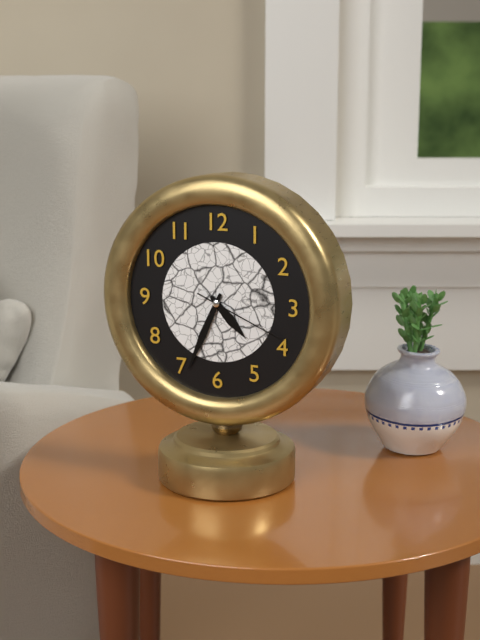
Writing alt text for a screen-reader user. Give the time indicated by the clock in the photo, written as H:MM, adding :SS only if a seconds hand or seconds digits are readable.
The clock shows 4:34:19
